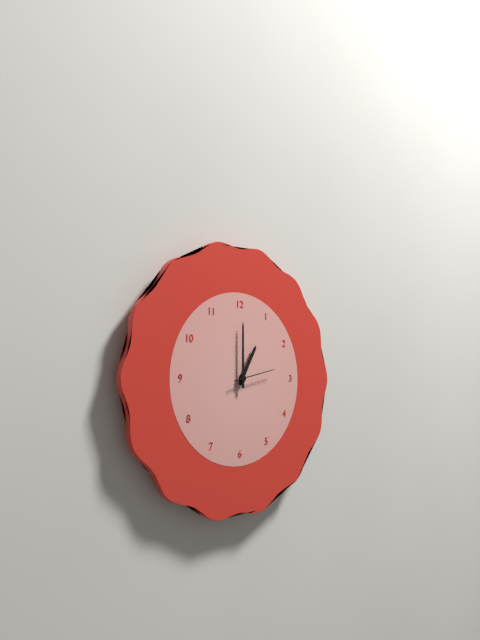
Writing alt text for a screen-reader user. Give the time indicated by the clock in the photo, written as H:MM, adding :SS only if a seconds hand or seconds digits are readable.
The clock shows 1:00
